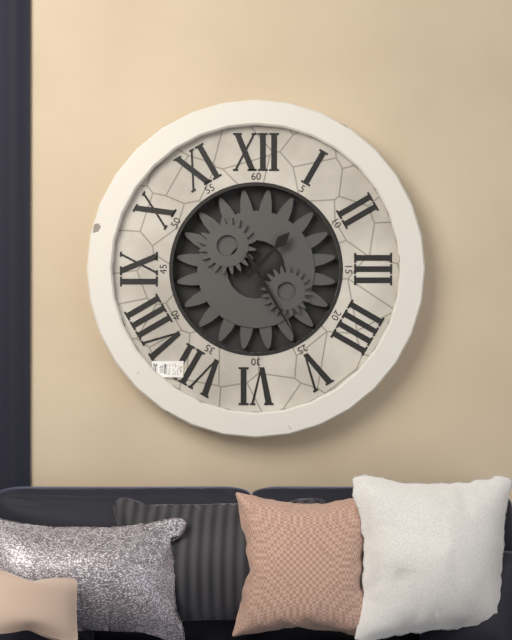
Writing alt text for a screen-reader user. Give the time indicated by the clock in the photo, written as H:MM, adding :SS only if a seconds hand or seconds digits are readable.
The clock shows 1:25
